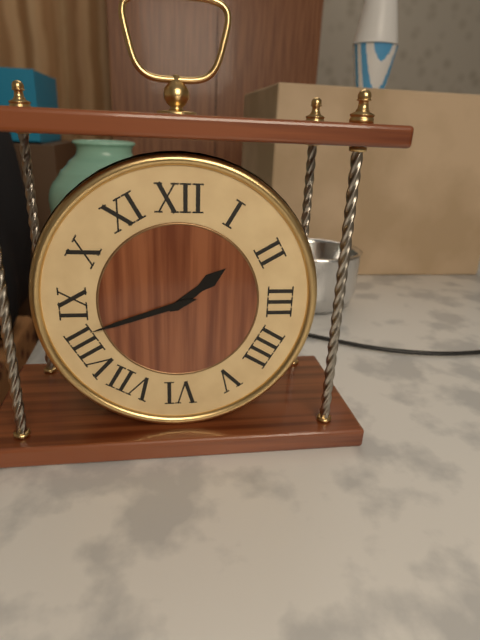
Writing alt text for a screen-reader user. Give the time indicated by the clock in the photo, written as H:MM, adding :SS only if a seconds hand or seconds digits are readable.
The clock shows 1:42
